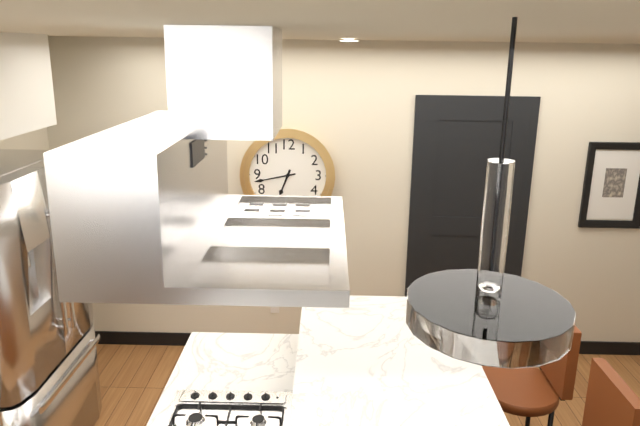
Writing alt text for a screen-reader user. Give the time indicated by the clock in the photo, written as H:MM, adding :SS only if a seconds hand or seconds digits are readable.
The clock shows 6:43
